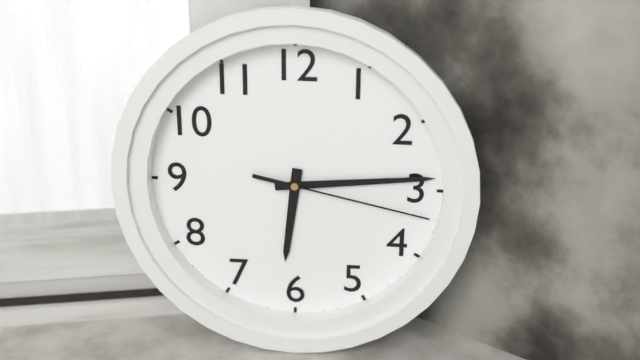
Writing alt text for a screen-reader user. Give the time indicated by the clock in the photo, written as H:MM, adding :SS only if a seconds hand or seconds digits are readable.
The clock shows 6:14:17
